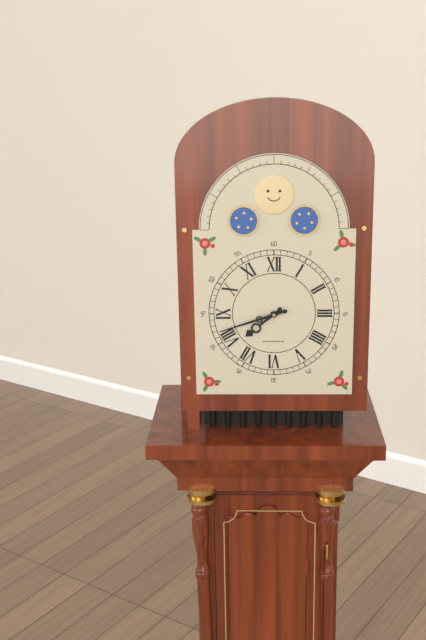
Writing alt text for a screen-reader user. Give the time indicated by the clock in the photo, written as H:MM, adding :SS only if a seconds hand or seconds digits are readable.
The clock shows 7:42
